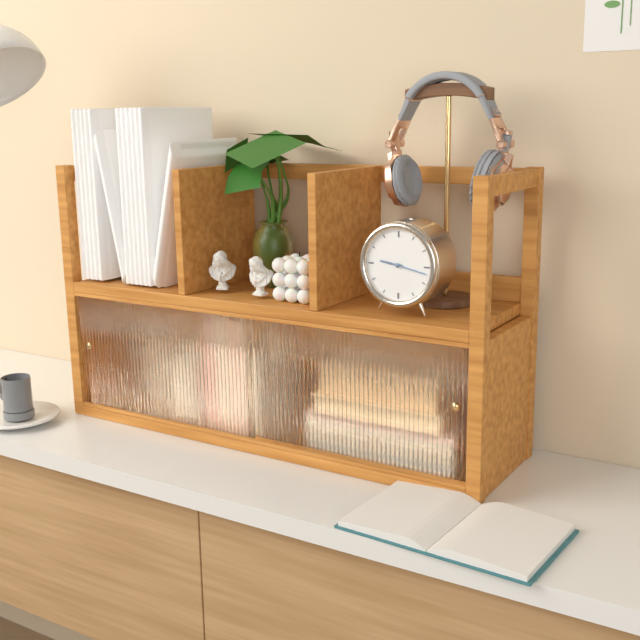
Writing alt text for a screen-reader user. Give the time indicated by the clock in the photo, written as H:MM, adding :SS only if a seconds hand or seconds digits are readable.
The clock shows 9:17
